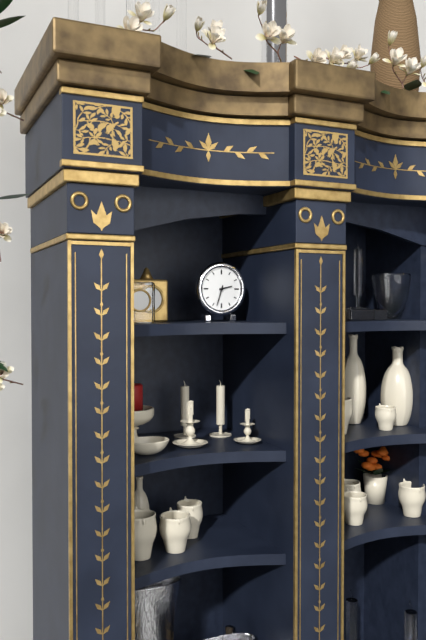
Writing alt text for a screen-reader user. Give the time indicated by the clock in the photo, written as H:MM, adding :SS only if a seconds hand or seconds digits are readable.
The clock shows 2:33
